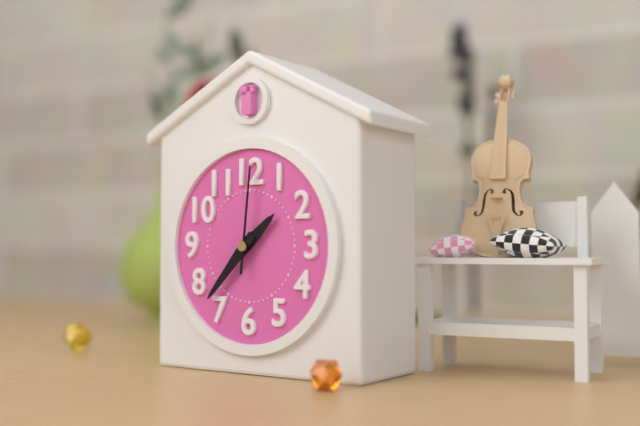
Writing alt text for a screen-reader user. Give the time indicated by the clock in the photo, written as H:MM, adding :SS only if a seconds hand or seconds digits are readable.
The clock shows 1:37:01
